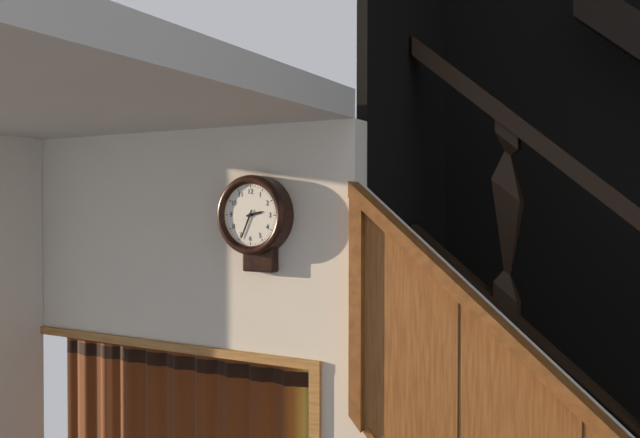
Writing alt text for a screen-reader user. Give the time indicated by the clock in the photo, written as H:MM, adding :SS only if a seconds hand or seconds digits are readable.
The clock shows 2:34
